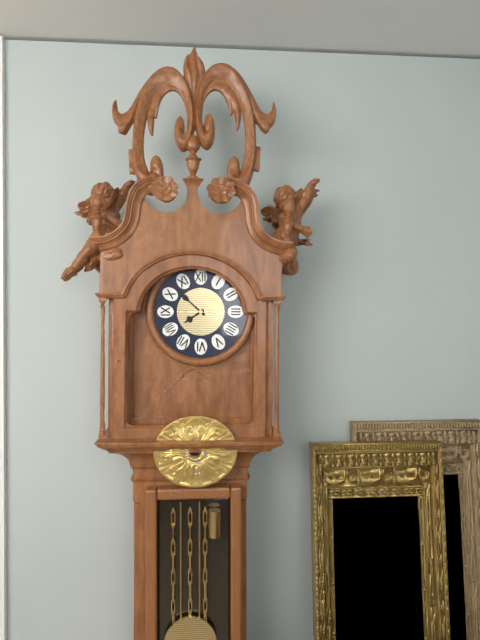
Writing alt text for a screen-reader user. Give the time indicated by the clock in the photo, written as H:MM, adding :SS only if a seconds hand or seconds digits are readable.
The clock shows 7:52
